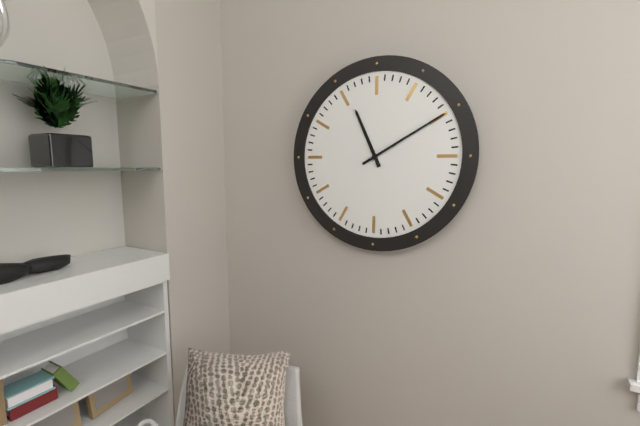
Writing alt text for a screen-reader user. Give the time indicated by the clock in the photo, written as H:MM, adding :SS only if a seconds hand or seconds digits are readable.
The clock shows 11:10
